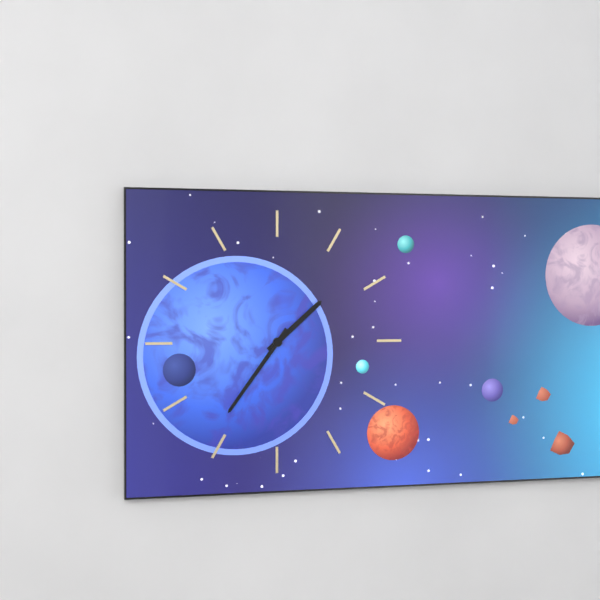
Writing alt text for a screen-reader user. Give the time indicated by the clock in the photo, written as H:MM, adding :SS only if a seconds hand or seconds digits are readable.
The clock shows 1:36
